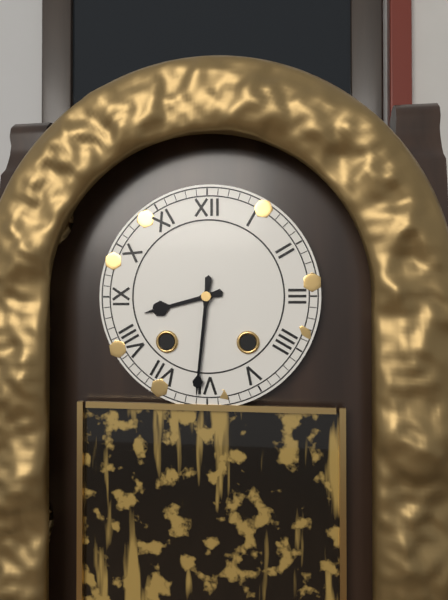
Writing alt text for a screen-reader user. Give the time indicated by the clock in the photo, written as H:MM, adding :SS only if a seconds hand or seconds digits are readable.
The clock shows 8:31
